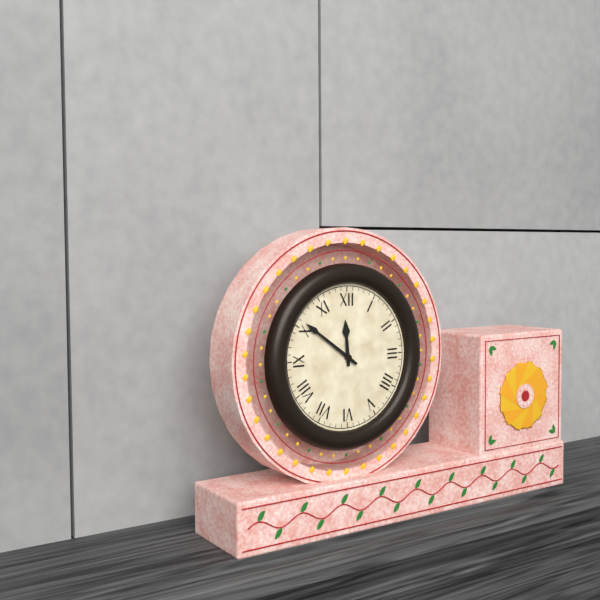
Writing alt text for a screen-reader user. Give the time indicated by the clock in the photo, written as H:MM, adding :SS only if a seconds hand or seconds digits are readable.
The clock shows 11:51
